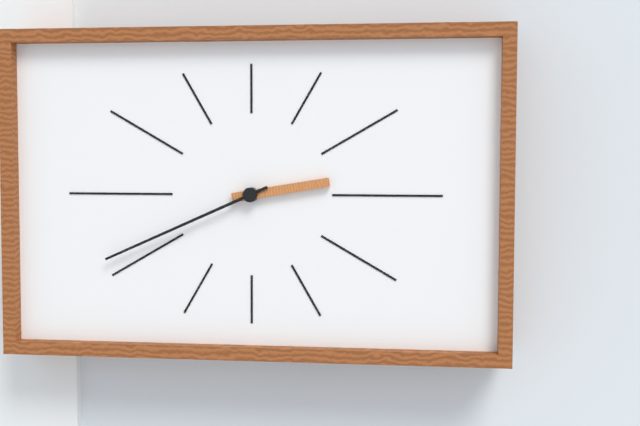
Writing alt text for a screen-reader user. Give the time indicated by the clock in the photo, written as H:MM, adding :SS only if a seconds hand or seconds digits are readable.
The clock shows 2:41
